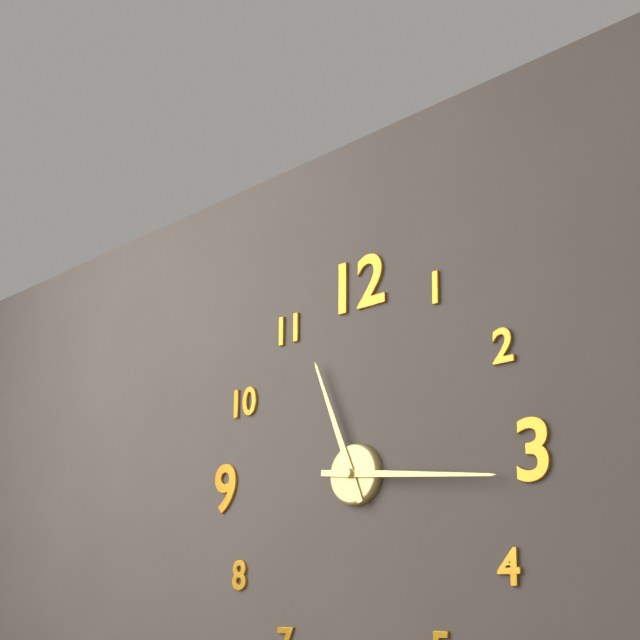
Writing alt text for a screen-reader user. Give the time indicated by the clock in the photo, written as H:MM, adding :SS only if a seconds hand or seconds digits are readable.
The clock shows 11:16
